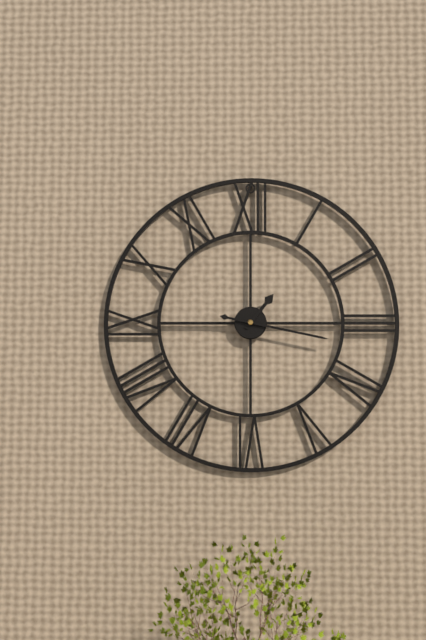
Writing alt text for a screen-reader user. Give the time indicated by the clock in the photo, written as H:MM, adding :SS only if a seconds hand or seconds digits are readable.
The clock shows 1:17
